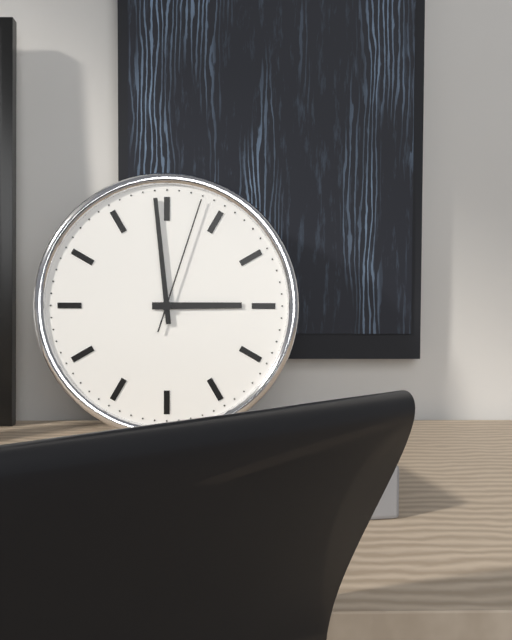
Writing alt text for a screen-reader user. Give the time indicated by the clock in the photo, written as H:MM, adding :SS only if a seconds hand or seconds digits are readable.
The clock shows 2:59:03
